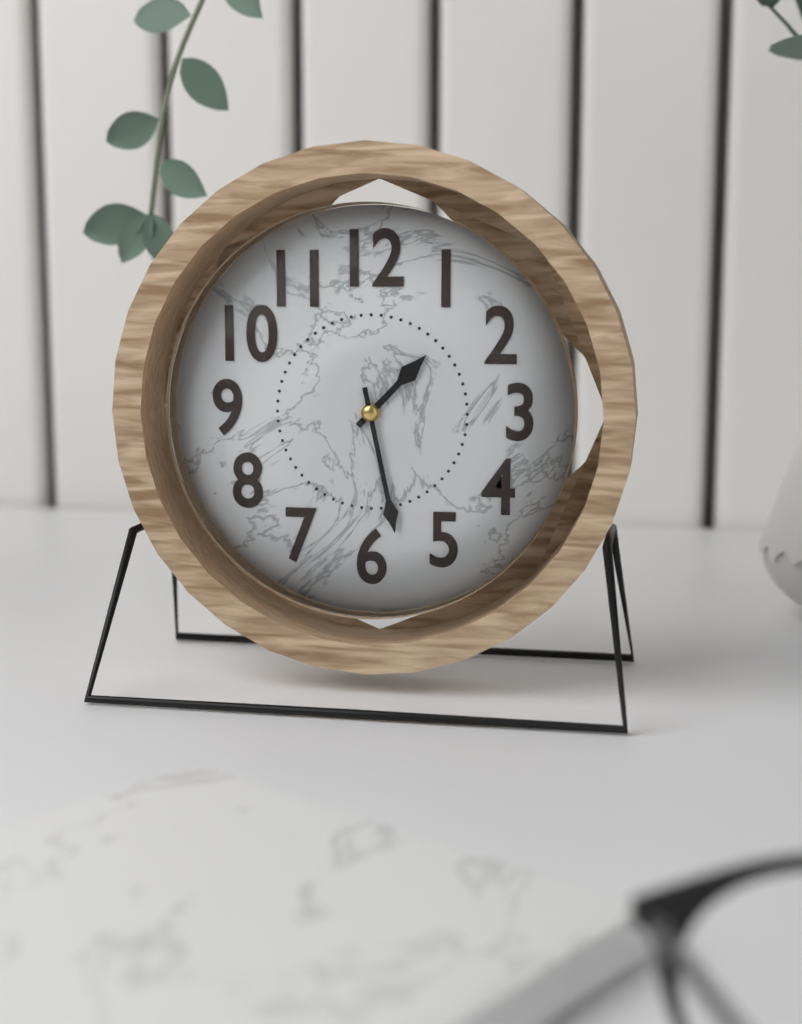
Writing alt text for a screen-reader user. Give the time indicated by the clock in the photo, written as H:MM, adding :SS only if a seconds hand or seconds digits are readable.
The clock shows 1:28
